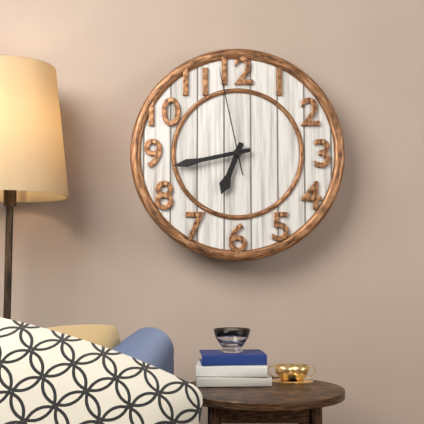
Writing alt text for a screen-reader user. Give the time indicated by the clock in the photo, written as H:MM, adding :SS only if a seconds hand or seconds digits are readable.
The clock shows 6:43:58
